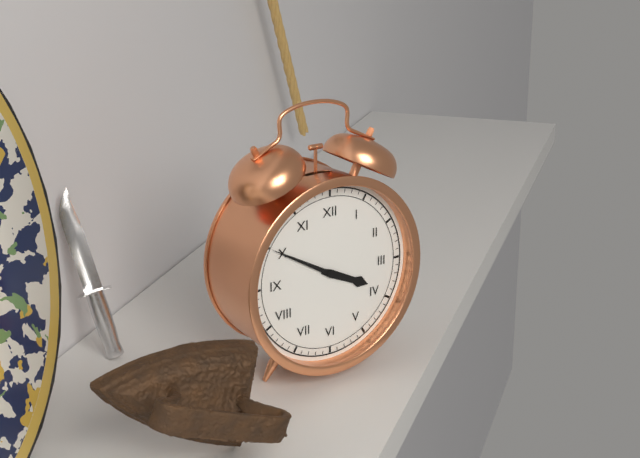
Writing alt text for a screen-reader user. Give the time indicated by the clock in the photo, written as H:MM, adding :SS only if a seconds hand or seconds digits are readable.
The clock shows 3:50
